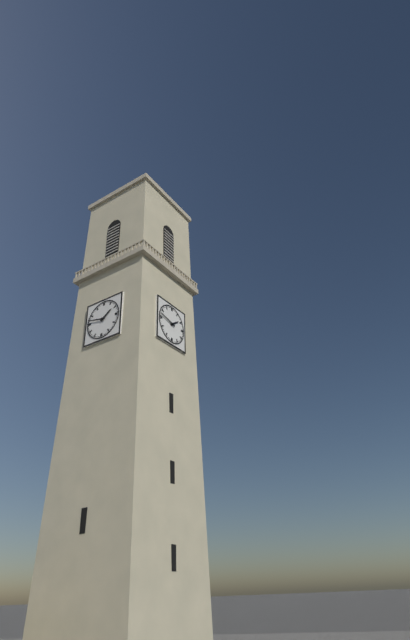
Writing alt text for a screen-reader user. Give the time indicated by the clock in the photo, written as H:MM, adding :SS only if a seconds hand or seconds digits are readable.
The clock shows 1:47
